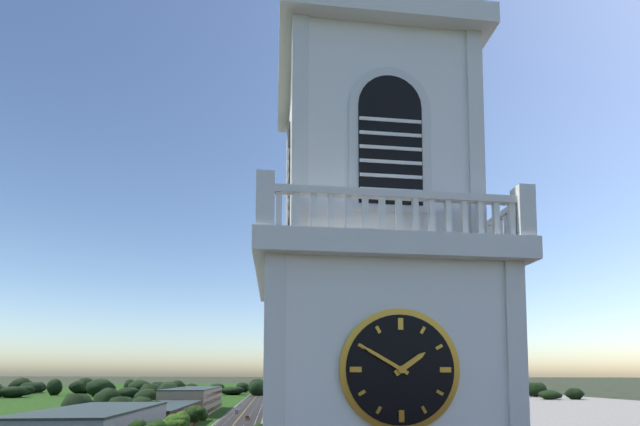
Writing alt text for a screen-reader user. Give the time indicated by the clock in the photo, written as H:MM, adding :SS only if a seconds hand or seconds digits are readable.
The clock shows 1:50
